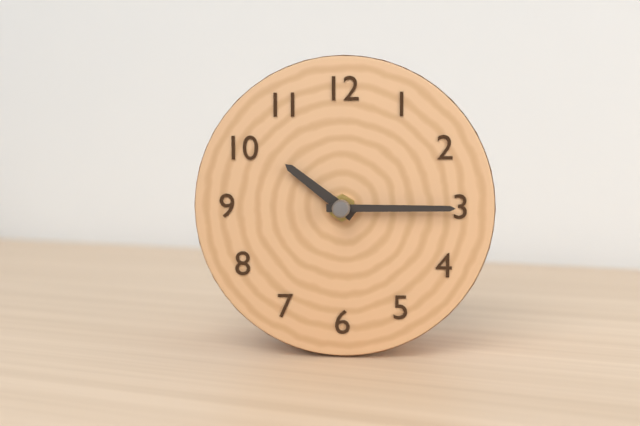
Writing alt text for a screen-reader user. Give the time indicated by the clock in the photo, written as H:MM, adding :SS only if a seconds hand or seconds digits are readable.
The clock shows 10:15
